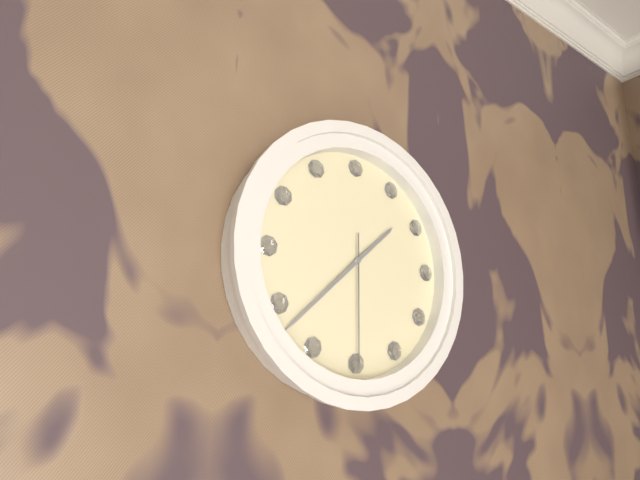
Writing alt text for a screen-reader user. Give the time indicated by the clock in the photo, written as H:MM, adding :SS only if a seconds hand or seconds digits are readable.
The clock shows 1:38:30
